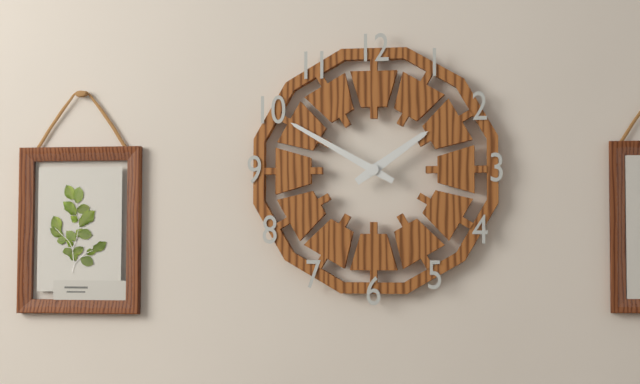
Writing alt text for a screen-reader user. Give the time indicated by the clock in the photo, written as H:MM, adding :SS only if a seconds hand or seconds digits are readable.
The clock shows 1:50
